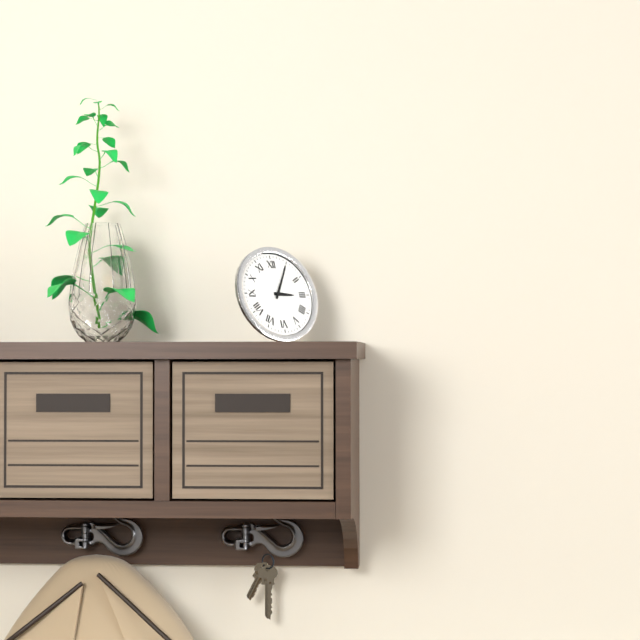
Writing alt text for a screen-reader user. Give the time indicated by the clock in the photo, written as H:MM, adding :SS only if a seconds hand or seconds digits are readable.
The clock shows 3:05
